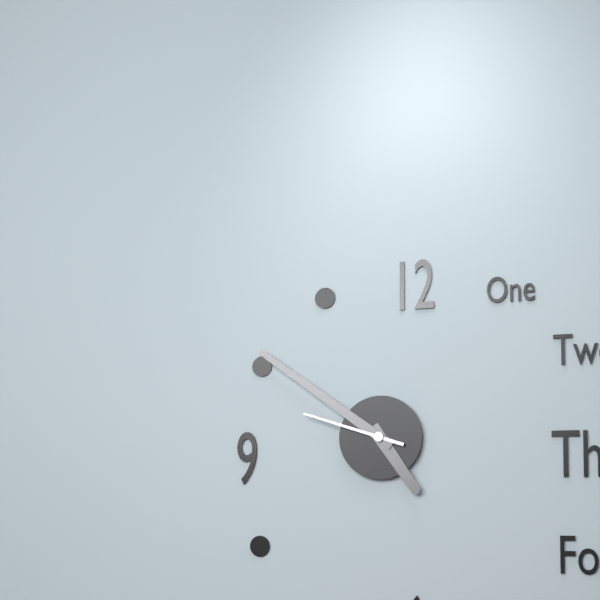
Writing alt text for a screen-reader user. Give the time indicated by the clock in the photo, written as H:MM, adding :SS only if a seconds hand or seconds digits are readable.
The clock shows 4:51:48
